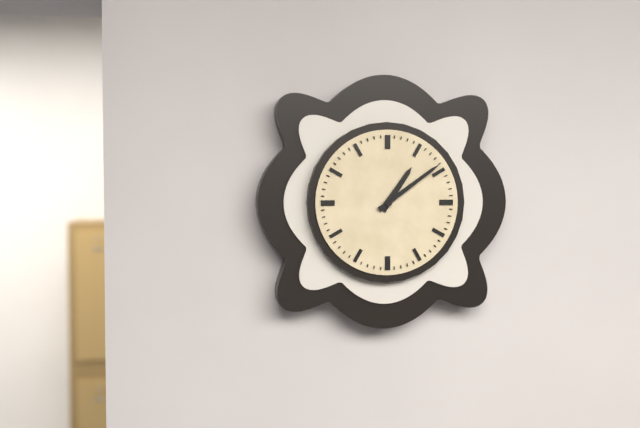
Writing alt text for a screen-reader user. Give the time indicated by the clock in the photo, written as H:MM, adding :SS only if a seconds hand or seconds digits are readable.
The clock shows 1:09
